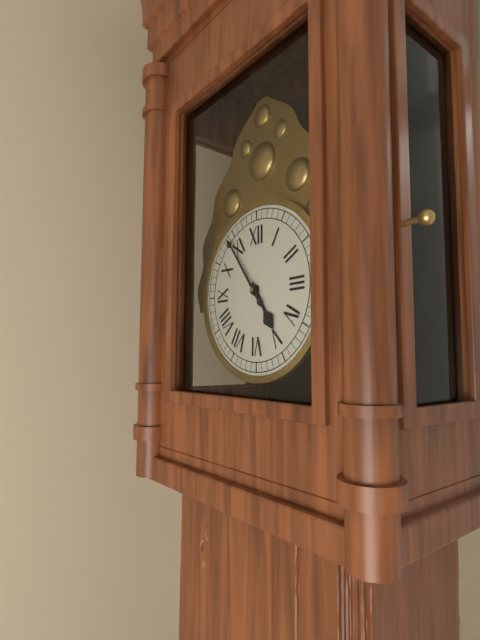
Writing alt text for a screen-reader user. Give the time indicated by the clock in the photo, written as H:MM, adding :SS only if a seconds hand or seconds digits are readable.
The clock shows 4:54
